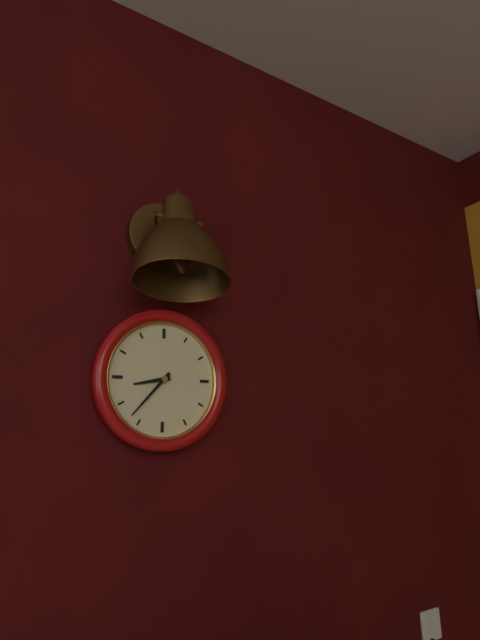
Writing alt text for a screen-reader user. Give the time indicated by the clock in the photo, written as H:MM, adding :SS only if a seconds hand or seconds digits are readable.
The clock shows 8:37
